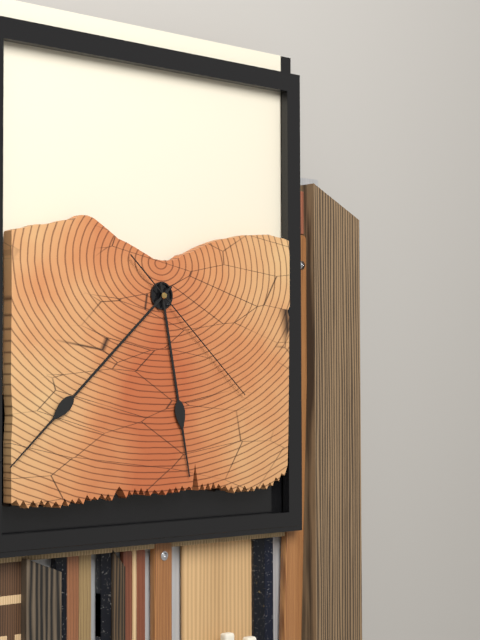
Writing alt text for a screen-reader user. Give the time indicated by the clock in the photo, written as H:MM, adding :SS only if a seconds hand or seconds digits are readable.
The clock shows 5:38:22
